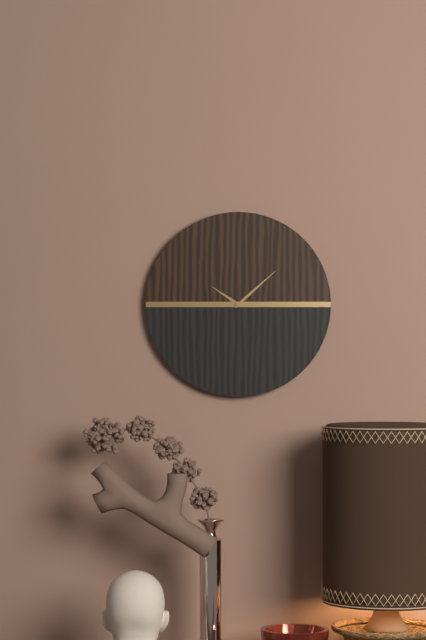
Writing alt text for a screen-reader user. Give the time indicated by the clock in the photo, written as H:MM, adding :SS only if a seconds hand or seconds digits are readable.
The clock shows 10:08
